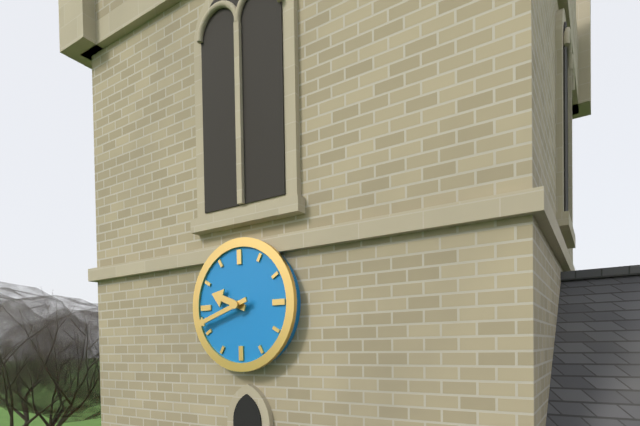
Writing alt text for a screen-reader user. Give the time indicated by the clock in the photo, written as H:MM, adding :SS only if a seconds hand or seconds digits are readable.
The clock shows 9:42
